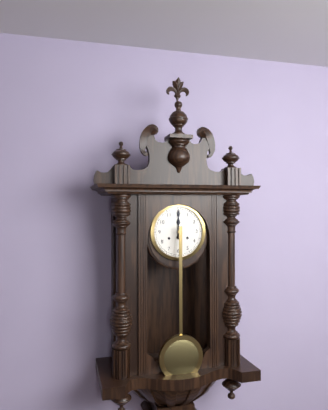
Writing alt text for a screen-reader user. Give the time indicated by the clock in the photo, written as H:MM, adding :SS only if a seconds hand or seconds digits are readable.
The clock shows 12:00
